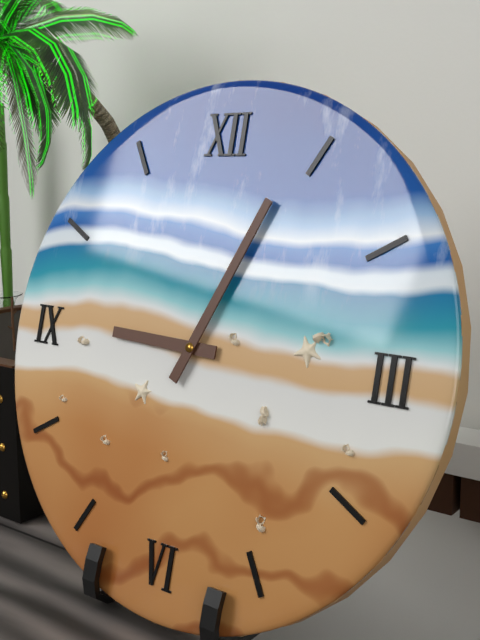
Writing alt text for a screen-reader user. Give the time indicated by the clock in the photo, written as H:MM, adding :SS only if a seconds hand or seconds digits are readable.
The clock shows 9:04
